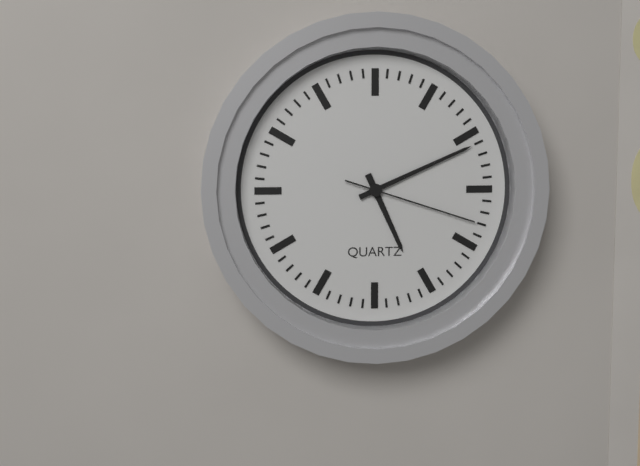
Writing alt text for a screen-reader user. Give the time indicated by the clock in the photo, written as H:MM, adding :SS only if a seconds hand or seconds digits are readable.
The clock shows 5:11:18
